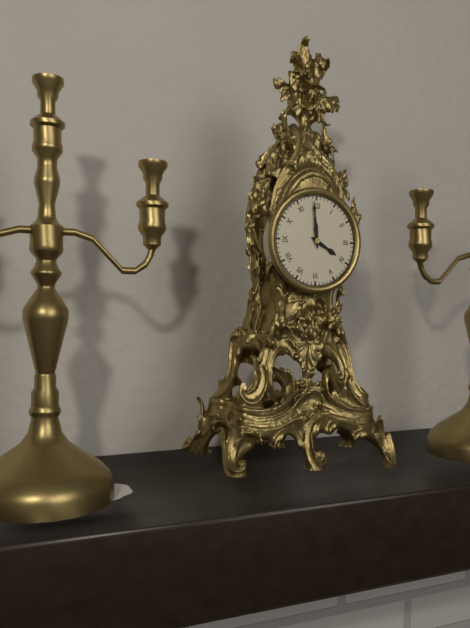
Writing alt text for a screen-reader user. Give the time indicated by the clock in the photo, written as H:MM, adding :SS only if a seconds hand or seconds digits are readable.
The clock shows 3:59
